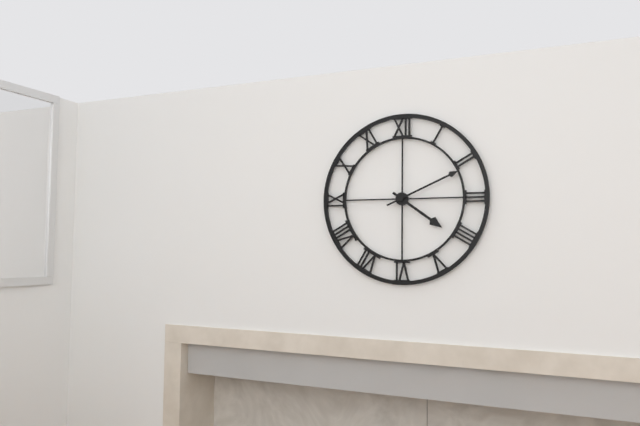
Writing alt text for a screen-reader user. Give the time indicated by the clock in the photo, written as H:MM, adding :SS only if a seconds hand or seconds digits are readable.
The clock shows 4:11
